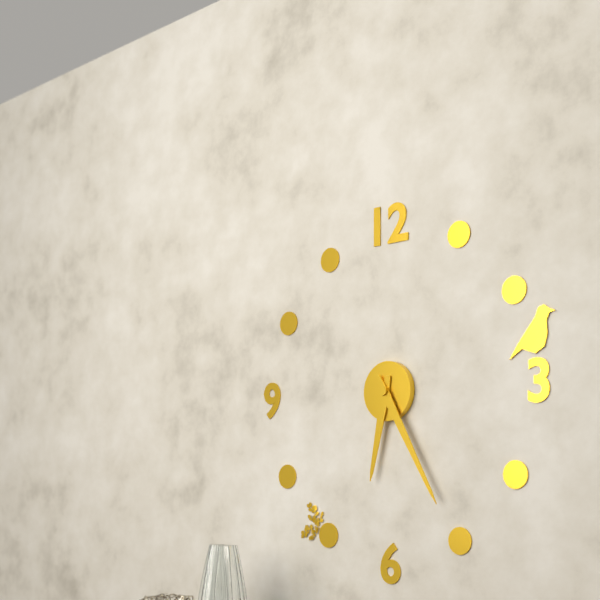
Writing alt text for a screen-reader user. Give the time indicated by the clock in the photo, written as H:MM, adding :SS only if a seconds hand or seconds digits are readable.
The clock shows 6:25
